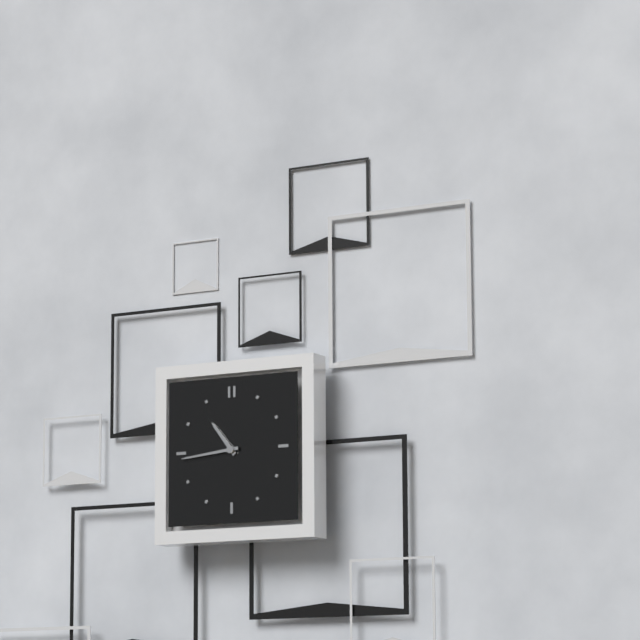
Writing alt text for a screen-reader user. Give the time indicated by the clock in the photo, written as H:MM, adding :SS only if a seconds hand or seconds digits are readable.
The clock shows 10:44
